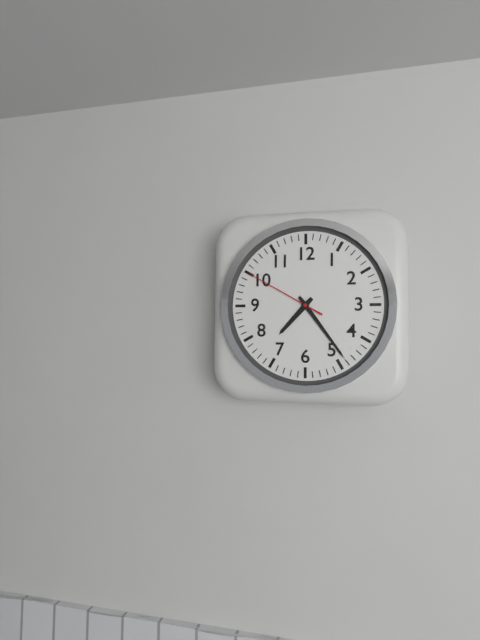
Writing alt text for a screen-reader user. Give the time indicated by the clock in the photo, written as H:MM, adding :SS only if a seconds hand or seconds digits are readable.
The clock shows 7:24:50
